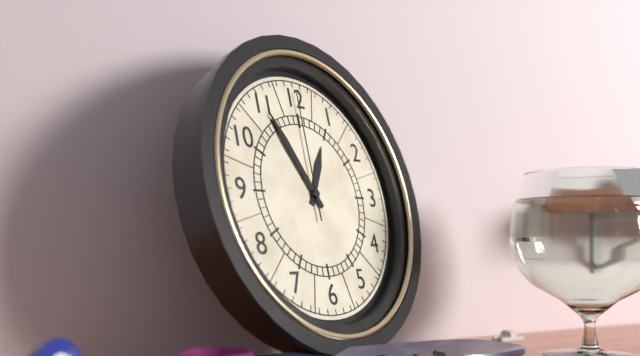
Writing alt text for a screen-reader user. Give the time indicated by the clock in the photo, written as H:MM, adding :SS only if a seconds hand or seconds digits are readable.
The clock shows 12:55:00
